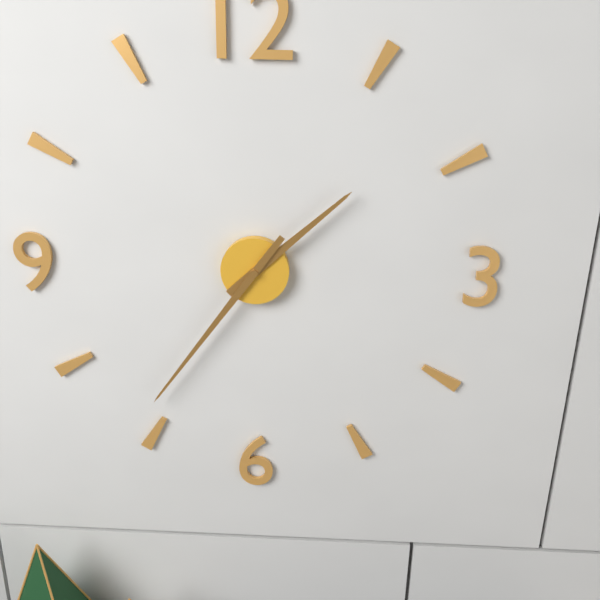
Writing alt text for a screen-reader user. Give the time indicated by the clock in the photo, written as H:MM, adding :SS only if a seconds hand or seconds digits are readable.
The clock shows 1:36
